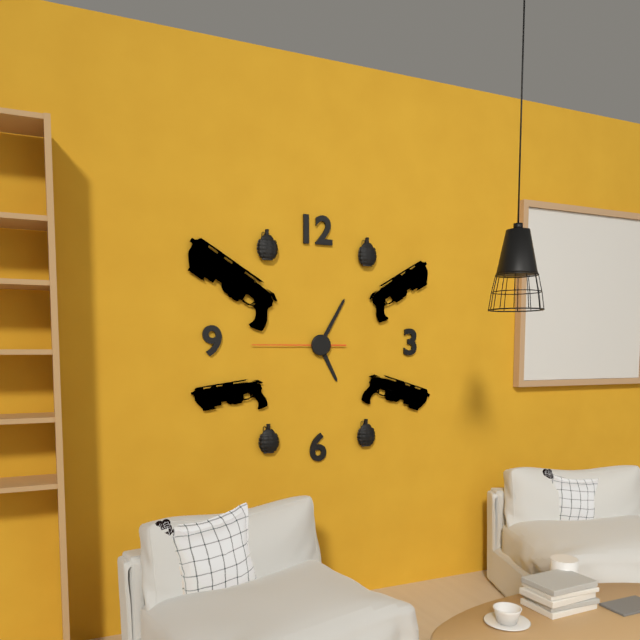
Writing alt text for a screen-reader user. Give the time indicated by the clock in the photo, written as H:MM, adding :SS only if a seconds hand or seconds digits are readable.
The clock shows 5:05:45
